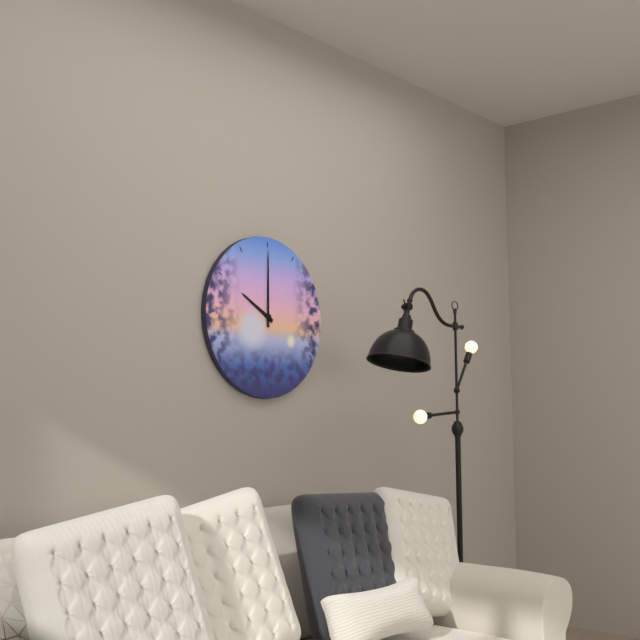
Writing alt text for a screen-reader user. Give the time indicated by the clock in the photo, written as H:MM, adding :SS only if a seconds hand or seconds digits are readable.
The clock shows 10:00
